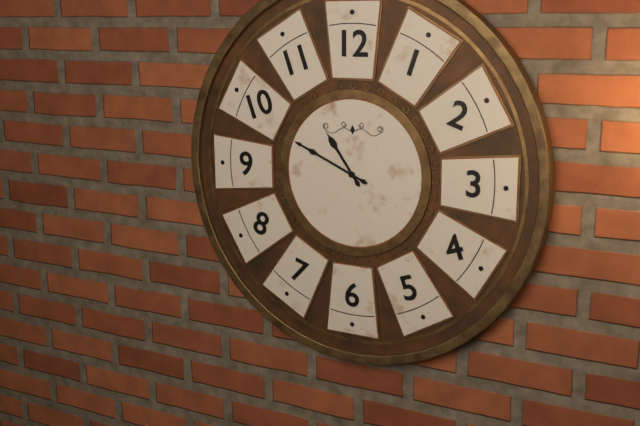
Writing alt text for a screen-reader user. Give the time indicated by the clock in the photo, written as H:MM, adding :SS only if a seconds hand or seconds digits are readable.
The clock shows 10:49
